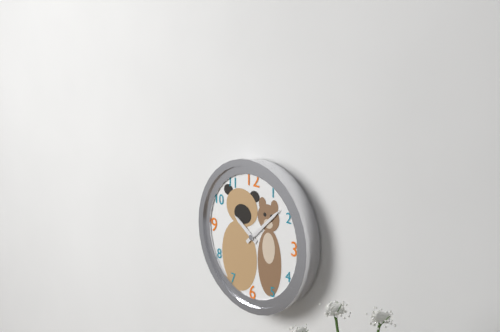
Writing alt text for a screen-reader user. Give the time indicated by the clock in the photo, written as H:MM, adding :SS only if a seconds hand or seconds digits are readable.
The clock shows 10:08
